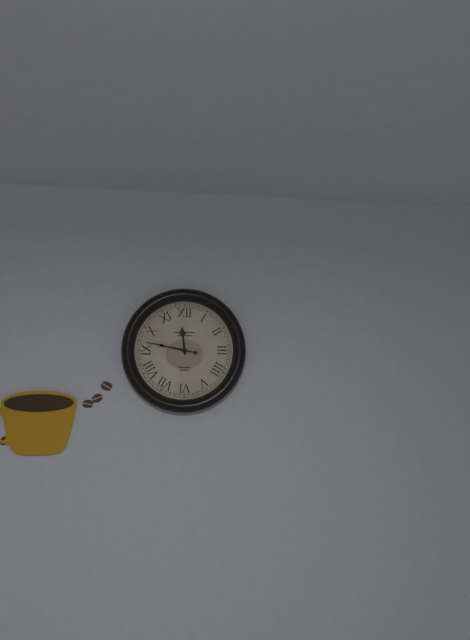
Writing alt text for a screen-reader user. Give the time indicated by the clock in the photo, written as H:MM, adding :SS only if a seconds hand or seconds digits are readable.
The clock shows 11:47
